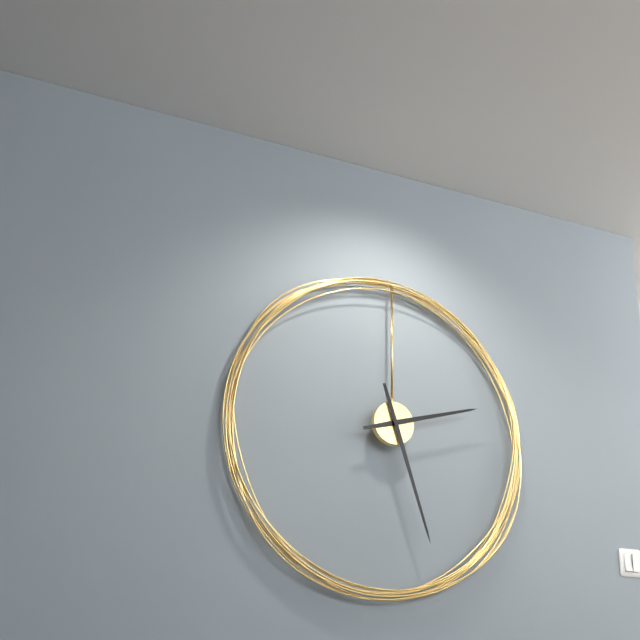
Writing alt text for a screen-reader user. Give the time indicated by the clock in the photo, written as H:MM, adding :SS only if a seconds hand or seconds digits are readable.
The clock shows 2:27
